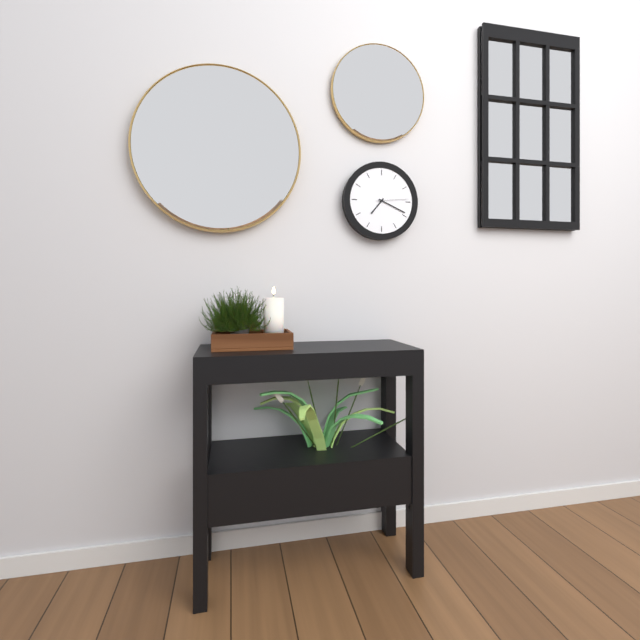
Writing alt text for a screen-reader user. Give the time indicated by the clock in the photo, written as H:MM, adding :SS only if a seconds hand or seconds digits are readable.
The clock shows 7:19
